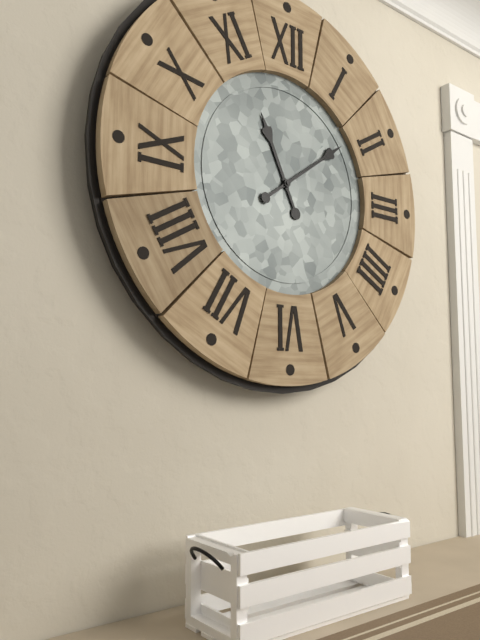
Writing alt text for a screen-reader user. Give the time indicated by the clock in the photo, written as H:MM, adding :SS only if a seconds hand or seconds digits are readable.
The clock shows 11:09
